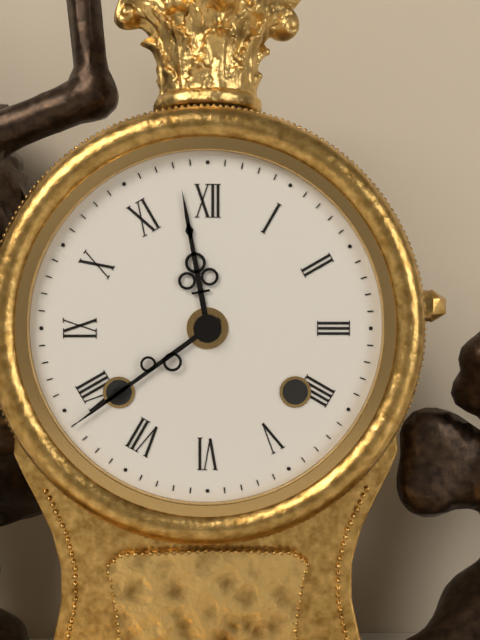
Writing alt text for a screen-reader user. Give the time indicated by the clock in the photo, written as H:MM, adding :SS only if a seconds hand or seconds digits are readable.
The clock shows 11:39
